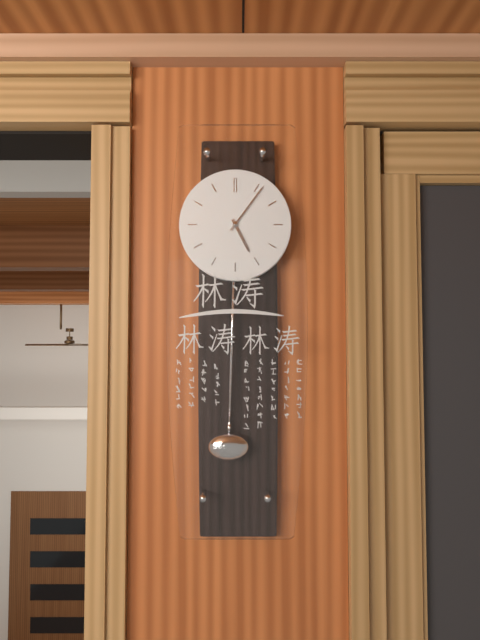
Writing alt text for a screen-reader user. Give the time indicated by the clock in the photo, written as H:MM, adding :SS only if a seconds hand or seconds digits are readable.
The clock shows 5:06
